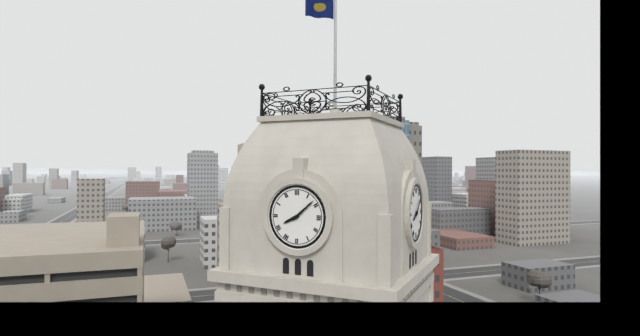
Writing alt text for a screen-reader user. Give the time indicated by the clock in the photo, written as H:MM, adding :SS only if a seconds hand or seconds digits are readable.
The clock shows 8:08
